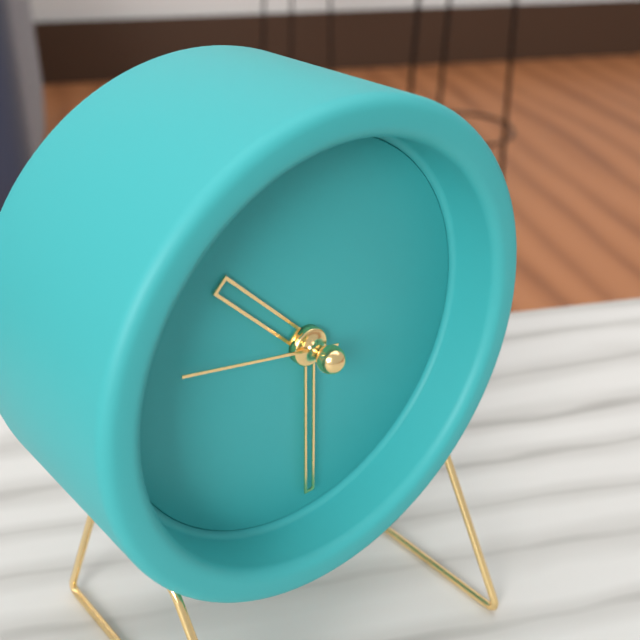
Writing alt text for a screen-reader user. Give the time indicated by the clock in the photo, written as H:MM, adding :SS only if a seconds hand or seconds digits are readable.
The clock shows 10:30:47
